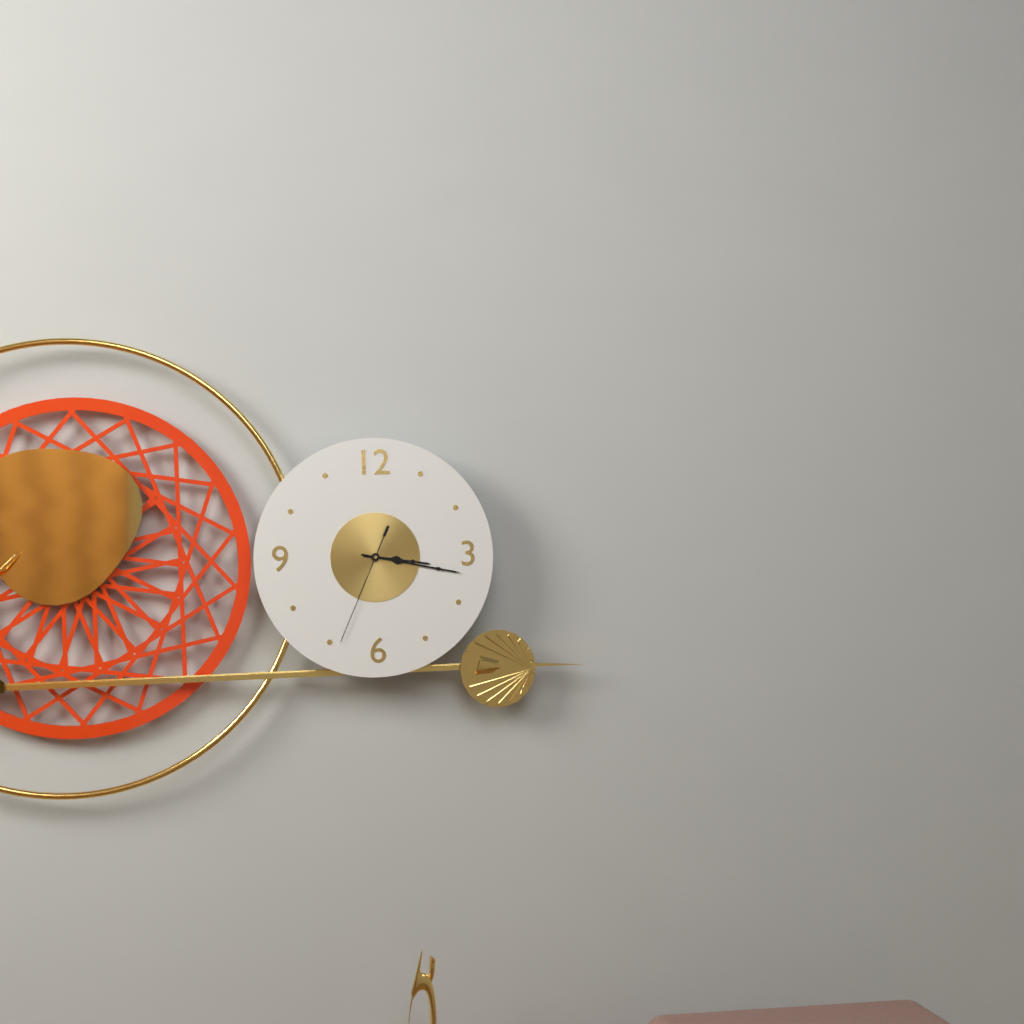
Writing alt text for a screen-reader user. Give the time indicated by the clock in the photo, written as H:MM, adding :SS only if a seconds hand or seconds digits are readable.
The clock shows 3:17:34
